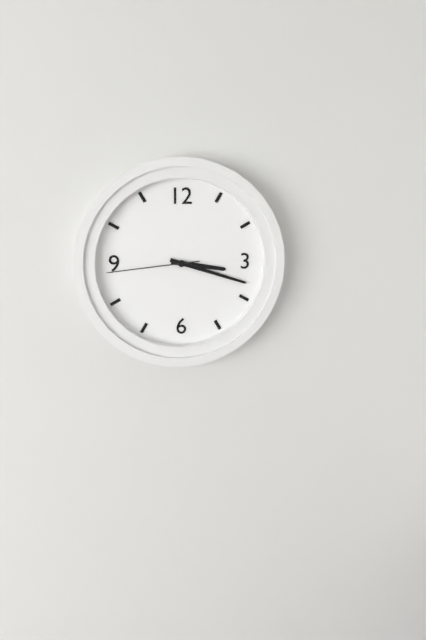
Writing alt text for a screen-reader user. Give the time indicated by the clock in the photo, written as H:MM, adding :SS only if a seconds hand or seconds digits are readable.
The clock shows 3:18:44
